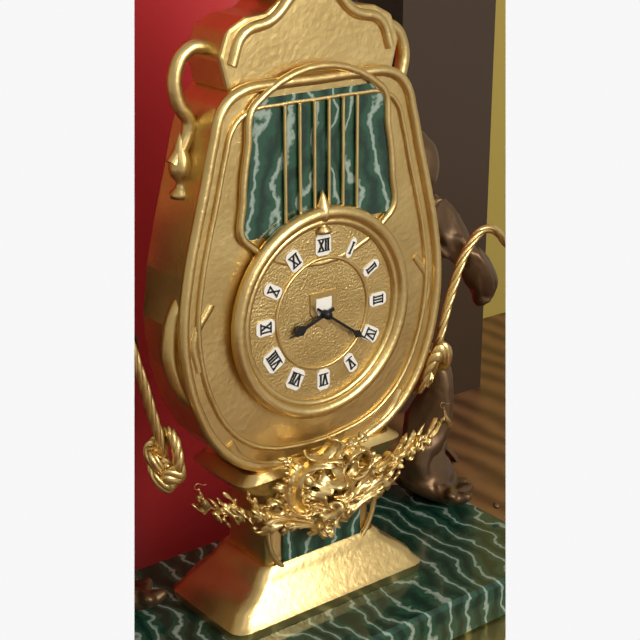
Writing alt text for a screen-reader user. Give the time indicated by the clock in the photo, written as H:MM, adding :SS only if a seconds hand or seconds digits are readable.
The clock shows 8:21
